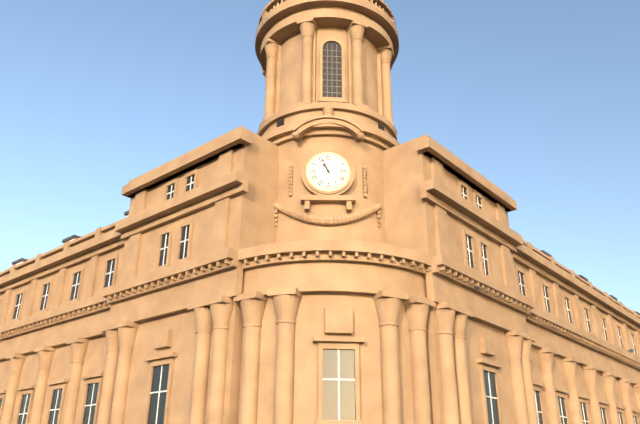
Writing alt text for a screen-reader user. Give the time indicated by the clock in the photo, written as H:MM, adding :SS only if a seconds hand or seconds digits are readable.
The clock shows 10:56
